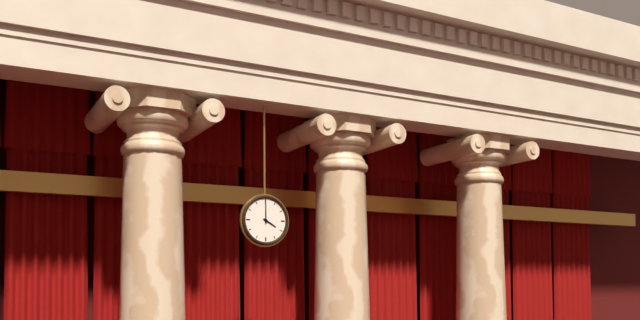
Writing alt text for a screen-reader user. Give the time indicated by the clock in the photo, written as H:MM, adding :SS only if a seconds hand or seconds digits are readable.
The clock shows 4:00
